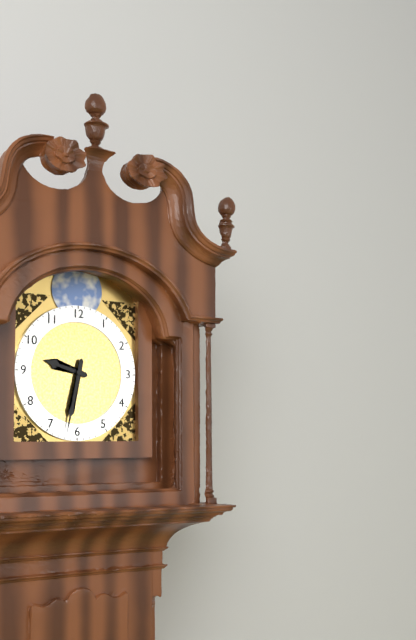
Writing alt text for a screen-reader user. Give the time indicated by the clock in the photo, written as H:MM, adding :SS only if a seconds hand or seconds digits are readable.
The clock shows 9:32
